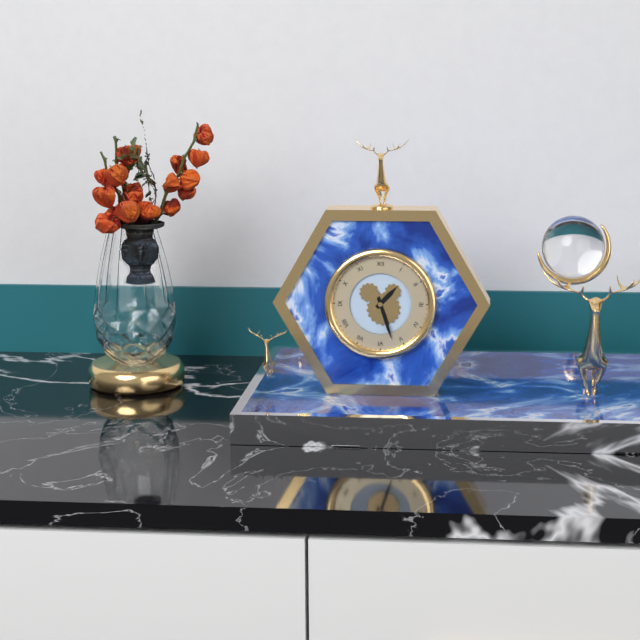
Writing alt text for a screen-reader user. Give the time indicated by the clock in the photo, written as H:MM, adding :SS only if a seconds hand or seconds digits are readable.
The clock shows 1:27
